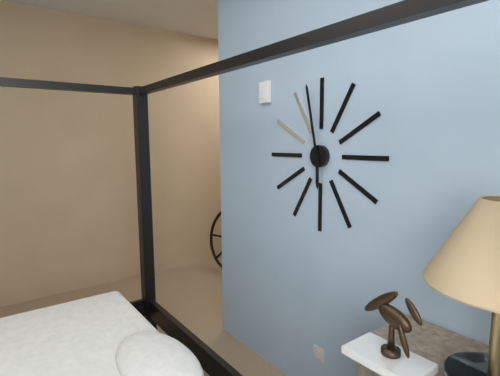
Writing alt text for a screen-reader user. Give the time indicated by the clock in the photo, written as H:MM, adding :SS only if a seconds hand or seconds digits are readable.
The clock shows 5:58
